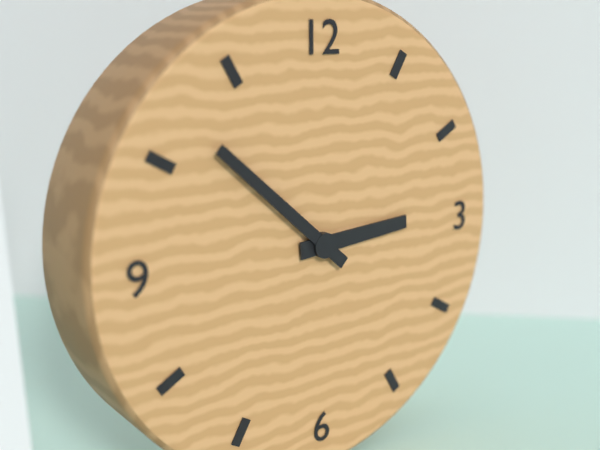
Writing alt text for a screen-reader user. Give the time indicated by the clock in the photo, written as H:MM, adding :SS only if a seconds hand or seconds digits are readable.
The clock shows 2:52
